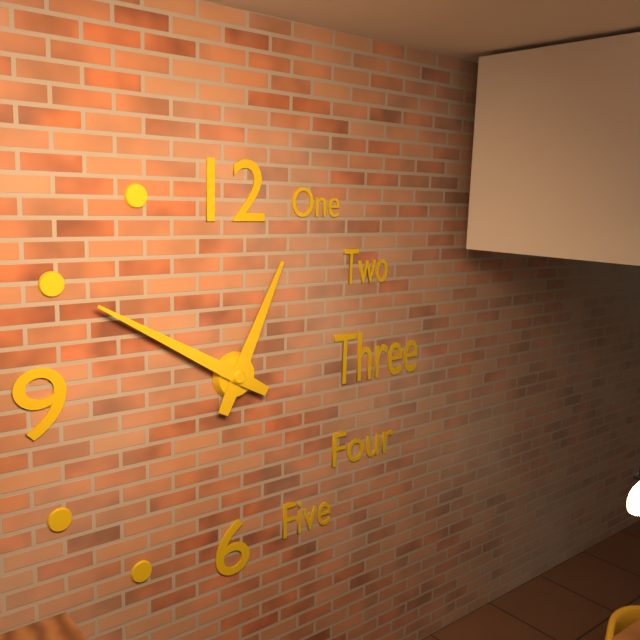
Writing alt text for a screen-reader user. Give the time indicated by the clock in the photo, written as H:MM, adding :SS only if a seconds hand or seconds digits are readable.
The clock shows 12:50
